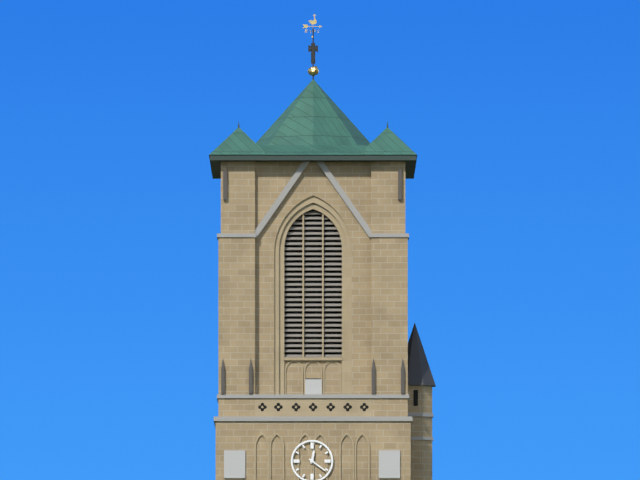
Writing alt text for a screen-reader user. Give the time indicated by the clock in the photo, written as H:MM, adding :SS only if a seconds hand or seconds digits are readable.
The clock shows 12:21
